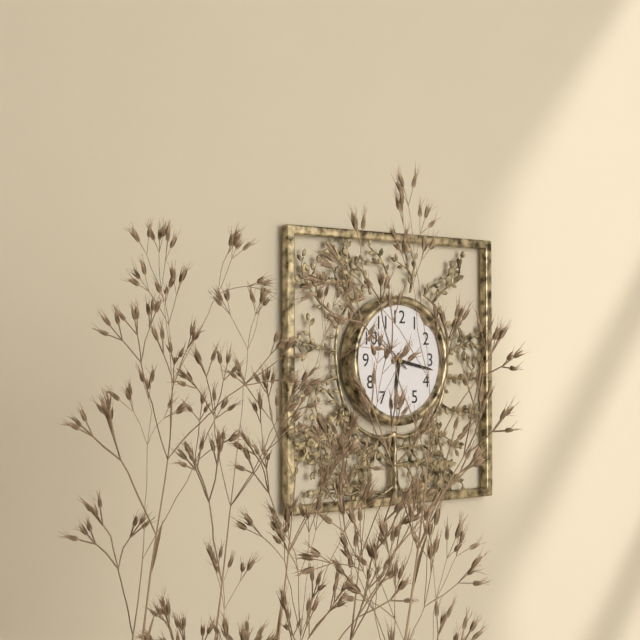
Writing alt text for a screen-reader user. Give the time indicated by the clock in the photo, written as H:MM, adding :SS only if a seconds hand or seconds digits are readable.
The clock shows 6:17
